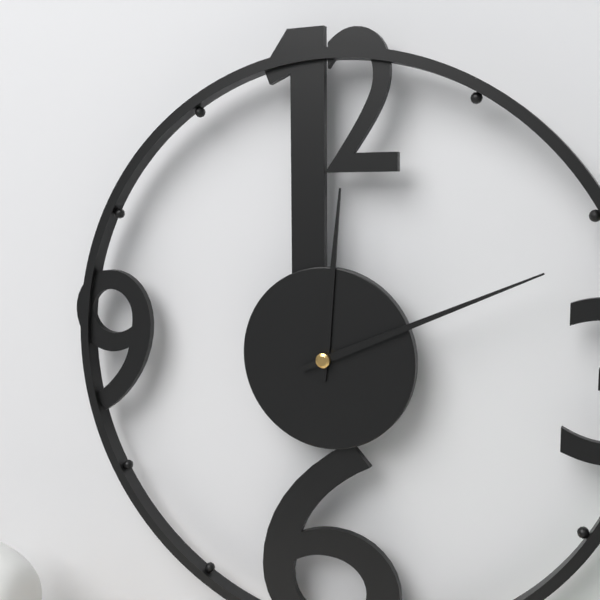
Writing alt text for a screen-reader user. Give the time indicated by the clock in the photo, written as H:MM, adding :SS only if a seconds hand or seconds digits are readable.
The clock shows 12:11
